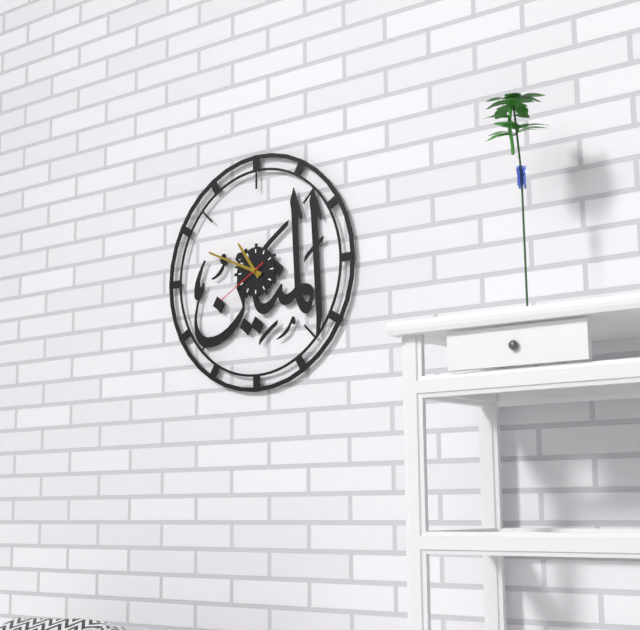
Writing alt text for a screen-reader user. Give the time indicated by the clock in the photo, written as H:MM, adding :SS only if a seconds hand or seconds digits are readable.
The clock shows 10:49:40
